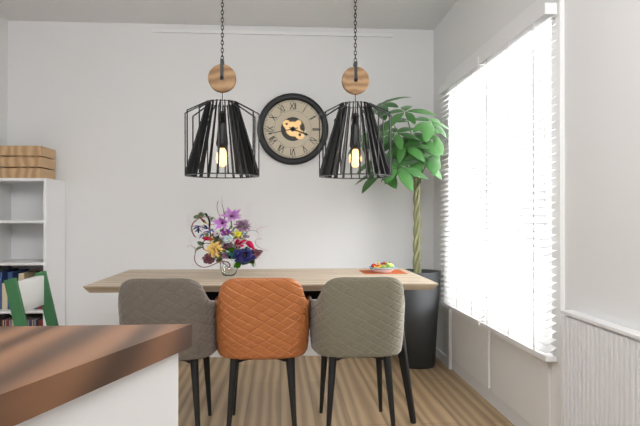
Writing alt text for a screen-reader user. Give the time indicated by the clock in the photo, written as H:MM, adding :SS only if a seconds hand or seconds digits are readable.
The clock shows 3:43
